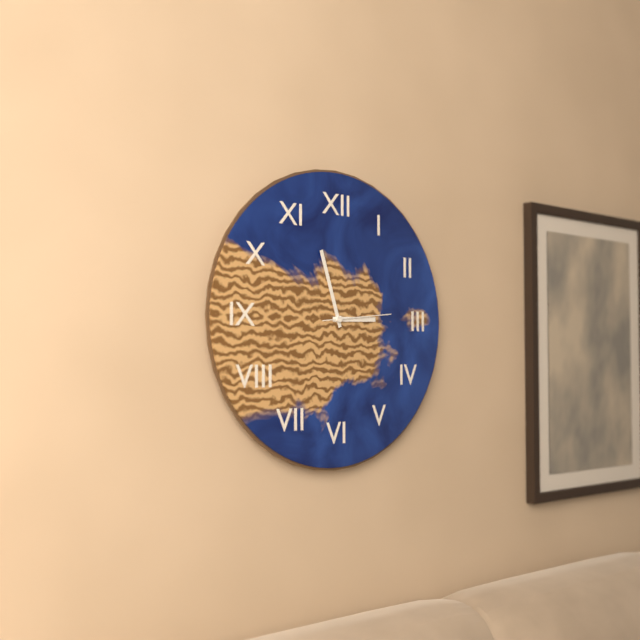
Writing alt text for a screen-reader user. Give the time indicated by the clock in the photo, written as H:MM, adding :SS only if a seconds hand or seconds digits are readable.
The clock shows 2:57:14
